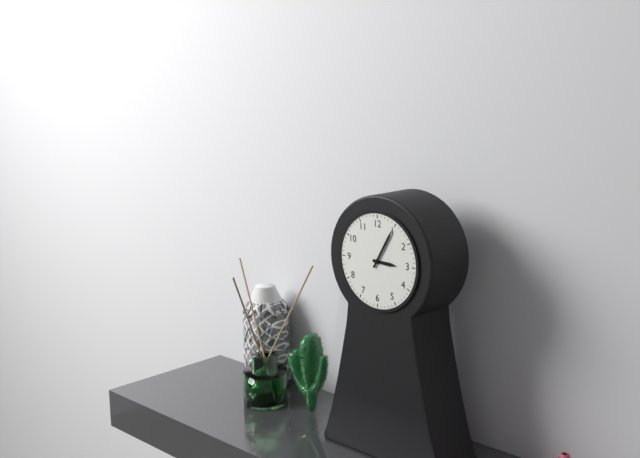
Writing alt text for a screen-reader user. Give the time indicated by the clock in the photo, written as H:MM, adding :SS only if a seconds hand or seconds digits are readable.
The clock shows 3:05
